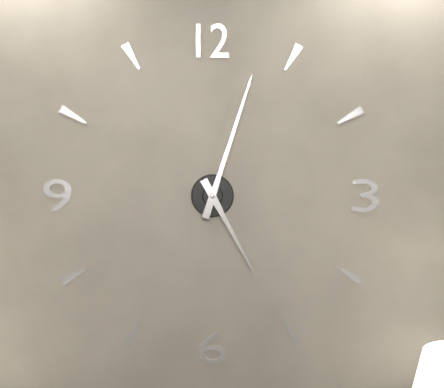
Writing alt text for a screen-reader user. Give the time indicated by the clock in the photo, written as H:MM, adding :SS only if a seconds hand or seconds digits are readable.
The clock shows 5:03
